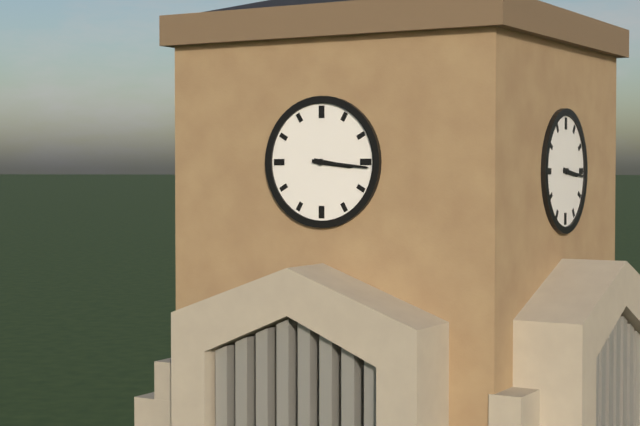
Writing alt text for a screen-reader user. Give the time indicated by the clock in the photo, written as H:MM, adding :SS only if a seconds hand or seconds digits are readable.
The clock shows 3:16
